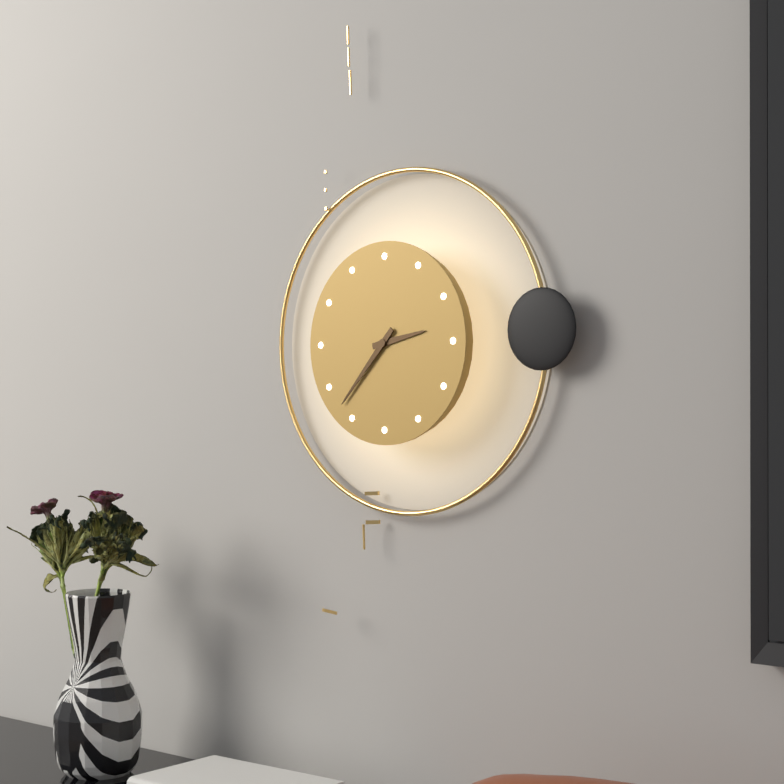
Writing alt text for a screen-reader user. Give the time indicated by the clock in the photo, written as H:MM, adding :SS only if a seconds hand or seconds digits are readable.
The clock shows 2:37
